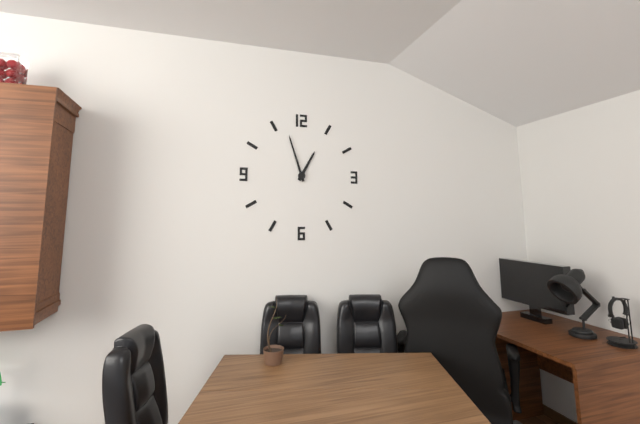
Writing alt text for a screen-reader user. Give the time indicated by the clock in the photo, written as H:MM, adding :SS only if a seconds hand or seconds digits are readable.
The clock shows 12:57
